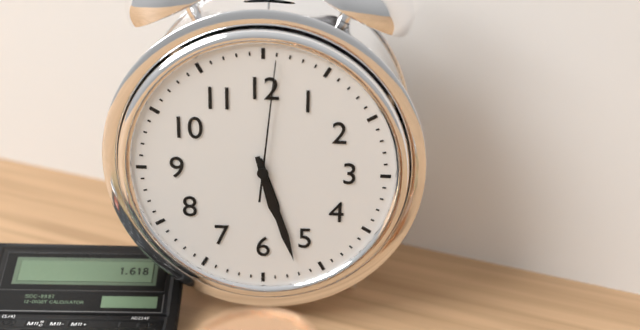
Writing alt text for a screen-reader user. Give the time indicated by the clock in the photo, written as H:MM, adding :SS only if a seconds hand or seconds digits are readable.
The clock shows 5:27:01
